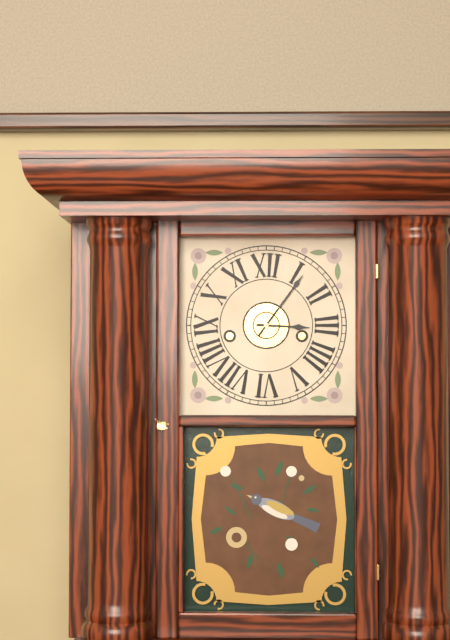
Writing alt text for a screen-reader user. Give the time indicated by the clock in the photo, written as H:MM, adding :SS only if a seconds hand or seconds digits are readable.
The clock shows 3:06
